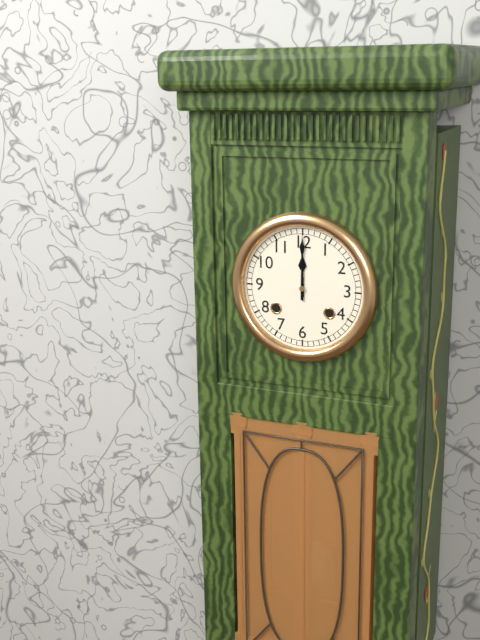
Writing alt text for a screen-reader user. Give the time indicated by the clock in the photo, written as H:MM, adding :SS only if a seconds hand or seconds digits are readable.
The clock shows 12:00
